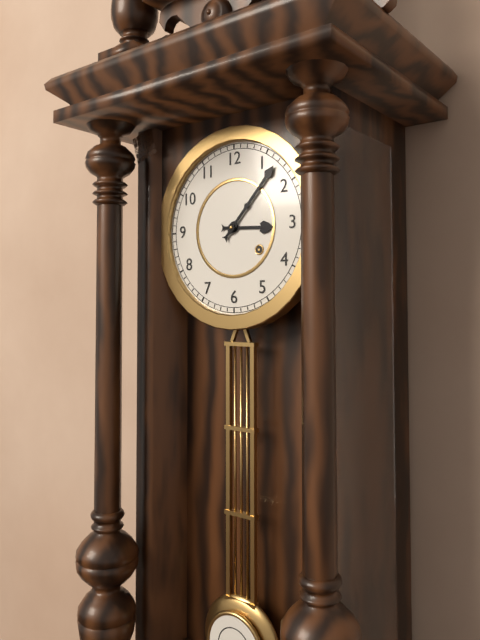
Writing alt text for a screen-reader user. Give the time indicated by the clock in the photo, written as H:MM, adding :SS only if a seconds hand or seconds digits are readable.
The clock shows 3:07
